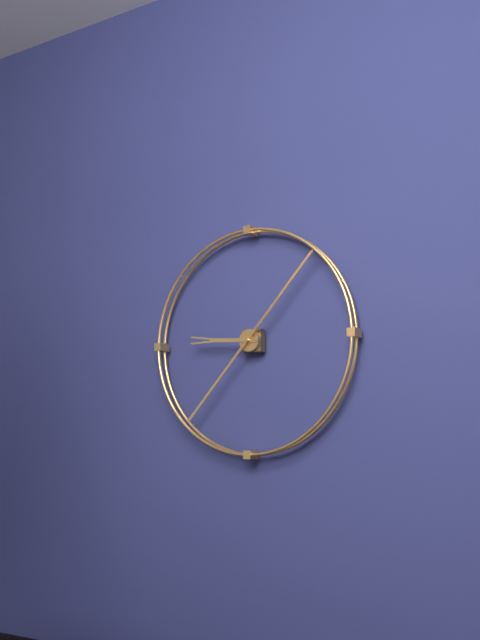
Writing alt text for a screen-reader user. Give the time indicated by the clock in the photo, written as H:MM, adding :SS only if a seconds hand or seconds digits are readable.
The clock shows 9:07
